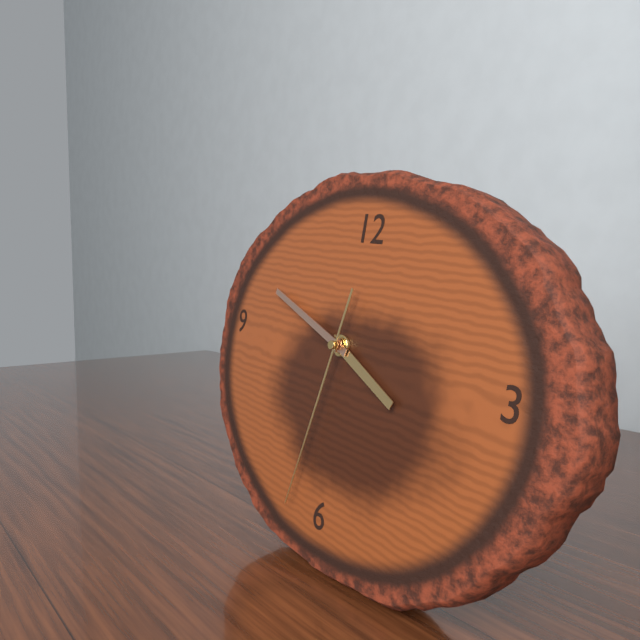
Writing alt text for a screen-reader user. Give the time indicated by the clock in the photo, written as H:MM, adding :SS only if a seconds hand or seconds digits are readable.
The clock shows 3:48:32
